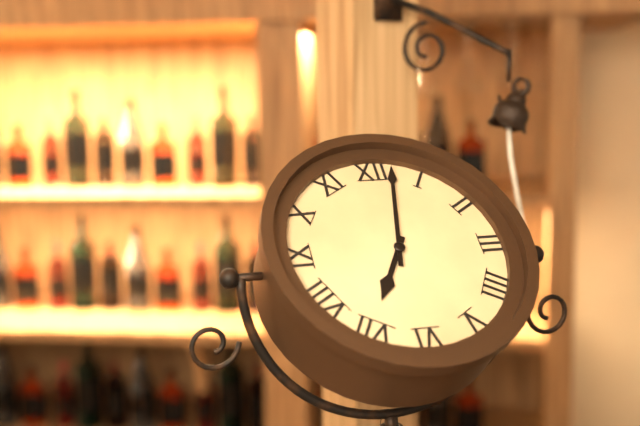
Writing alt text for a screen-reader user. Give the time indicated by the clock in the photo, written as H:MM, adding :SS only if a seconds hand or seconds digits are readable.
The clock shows 7:02
